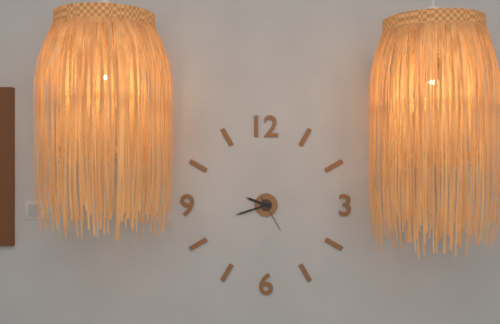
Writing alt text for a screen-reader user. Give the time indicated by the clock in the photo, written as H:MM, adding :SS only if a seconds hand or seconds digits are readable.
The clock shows 9:42
